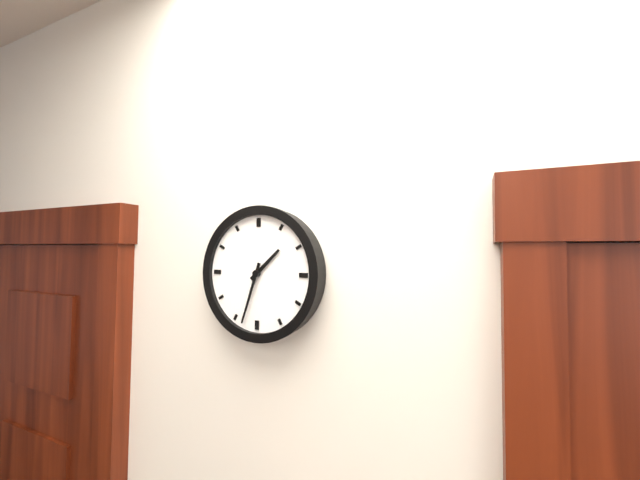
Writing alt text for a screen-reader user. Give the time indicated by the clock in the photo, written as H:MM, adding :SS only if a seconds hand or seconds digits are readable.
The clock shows 1:33
